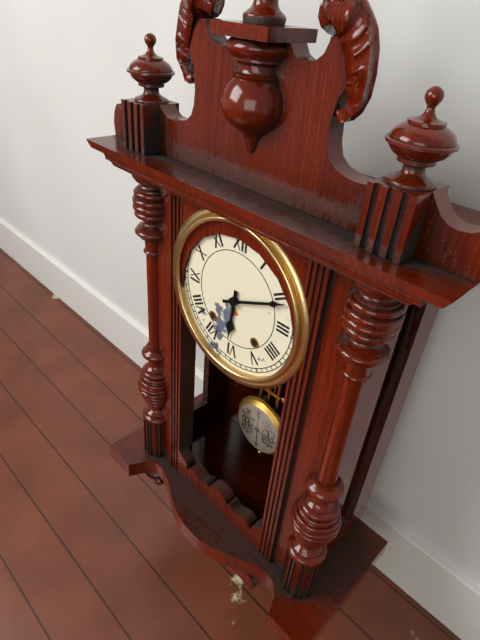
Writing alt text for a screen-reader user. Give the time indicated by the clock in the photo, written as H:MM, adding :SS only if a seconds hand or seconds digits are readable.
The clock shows 6:11
